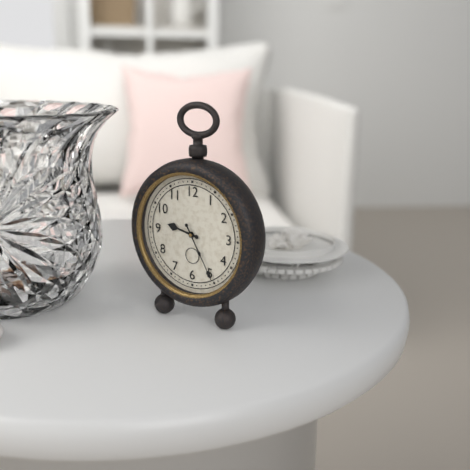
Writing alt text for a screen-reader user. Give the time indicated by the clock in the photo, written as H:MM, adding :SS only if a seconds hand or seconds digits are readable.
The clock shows 9:25
